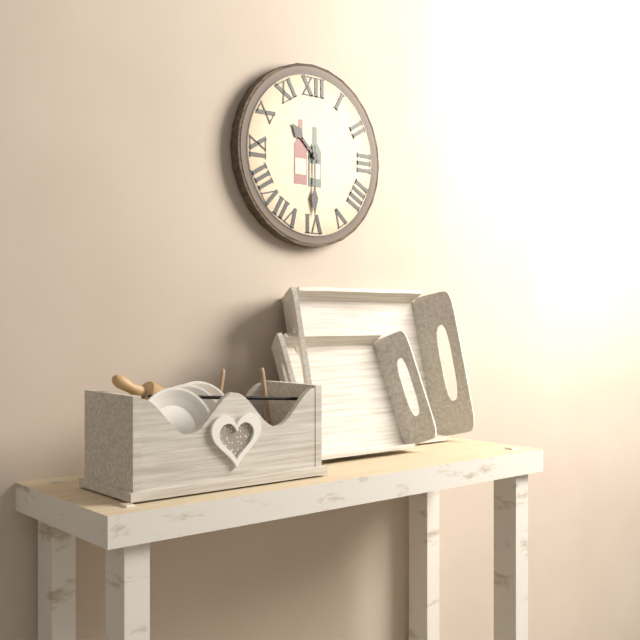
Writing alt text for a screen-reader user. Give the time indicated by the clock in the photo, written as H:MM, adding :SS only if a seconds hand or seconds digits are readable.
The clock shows 10:30
